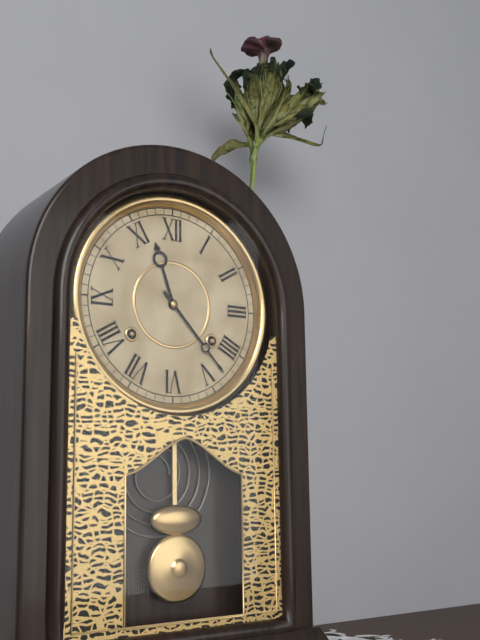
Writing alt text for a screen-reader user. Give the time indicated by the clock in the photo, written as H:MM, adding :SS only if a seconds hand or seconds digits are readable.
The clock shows 11:23
